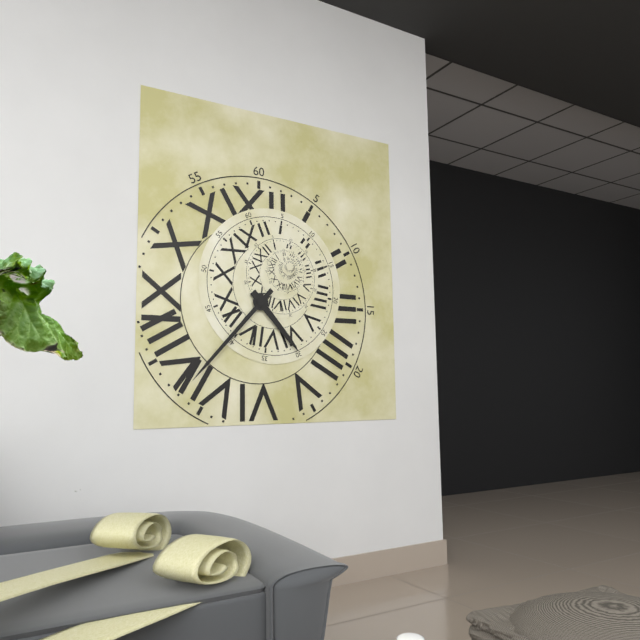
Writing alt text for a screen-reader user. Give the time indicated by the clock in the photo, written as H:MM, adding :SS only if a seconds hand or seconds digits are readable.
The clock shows 4:37
